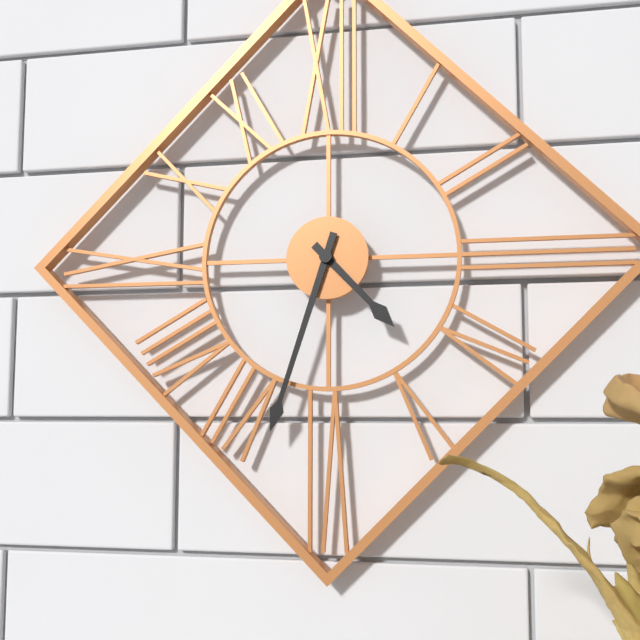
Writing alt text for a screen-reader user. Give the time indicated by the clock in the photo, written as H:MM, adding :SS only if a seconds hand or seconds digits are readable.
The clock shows 4:33
